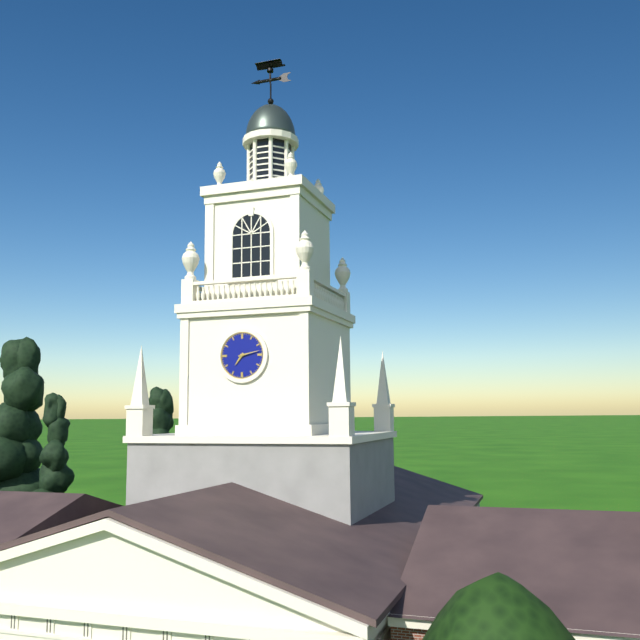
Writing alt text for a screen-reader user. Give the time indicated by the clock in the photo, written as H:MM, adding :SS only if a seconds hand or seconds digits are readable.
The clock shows 7:13
